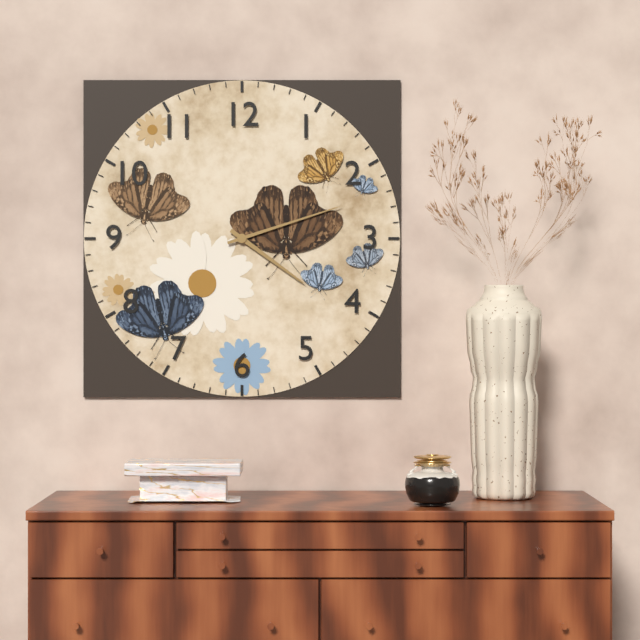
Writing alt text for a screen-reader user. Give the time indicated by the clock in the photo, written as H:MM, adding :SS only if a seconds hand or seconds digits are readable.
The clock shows 4:12
